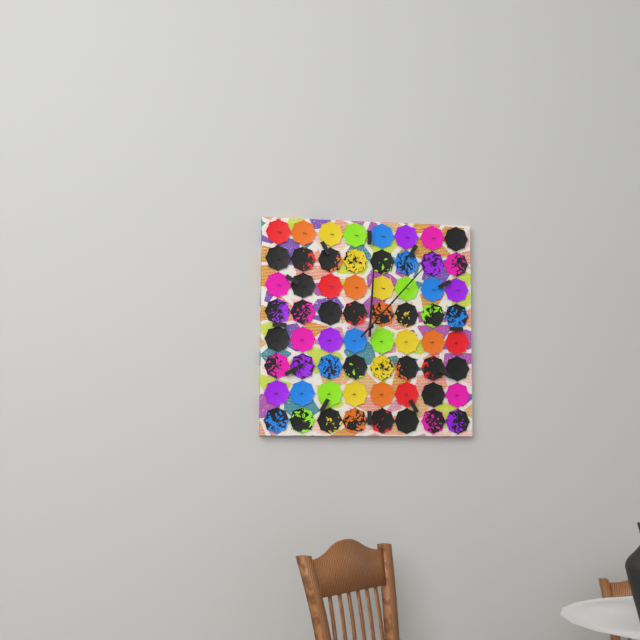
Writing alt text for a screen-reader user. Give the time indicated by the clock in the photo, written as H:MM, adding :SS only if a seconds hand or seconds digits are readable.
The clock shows 12:07
